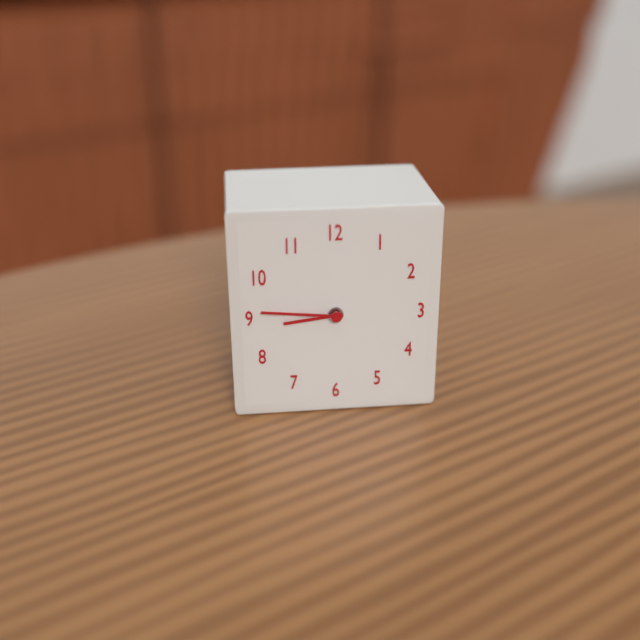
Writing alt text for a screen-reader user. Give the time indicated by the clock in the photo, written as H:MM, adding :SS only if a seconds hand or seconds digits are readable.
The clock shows 8:46
